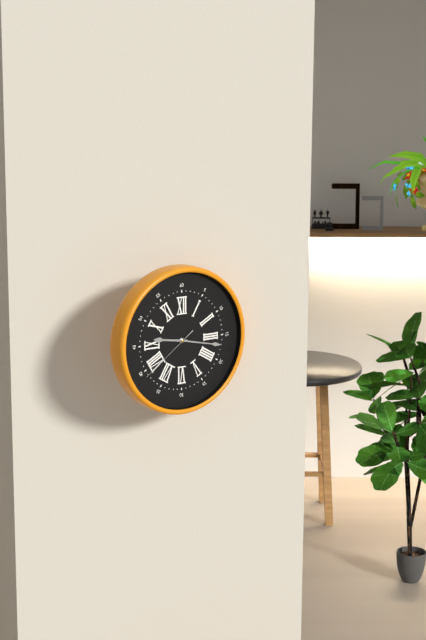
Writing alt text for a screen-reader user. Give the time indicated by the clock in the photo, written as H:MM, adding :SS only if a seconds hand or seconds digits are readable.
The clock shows 9:17:39
